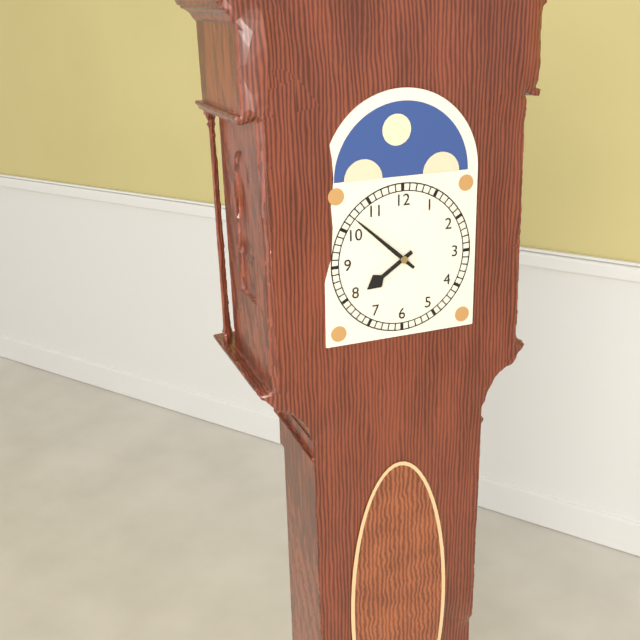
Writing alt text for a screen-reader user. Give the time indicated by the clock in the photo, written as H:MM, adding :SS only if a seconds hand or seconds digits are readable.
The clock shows 7:52
